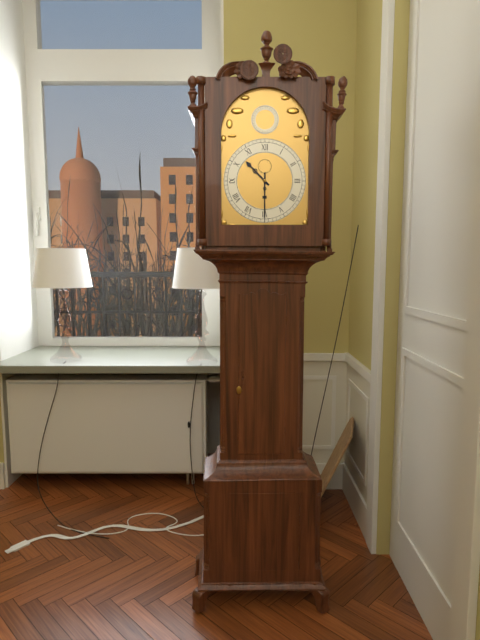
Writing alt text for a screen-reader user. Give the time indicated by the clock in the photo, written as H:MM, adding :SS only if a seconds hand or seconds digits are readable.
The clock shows 10:30
